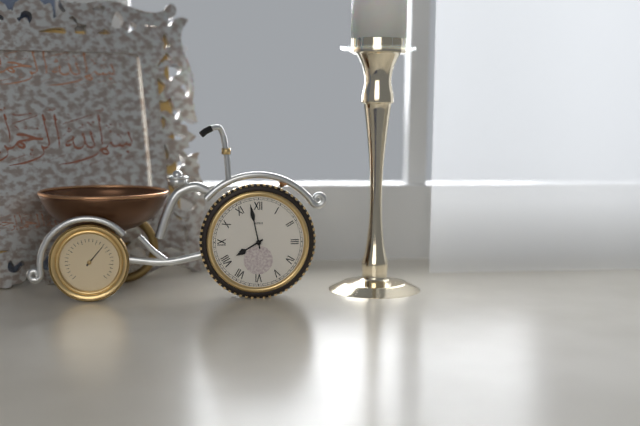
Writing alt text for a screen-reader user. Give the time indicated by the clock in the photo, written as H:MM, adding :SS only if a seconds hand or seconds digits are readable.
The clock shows 7:58
